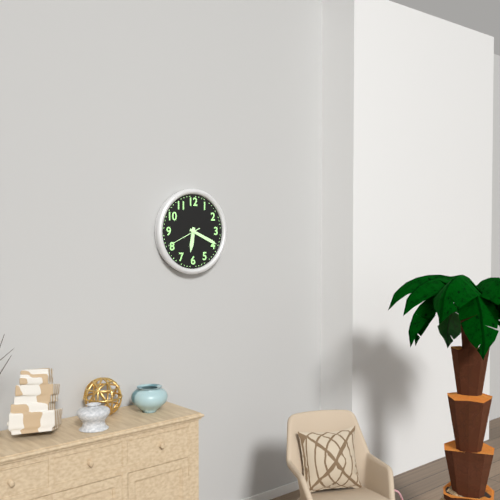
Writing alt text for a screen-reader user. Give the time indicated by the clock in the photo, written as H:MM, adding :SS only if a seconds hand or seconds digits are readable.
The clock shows 6:19
